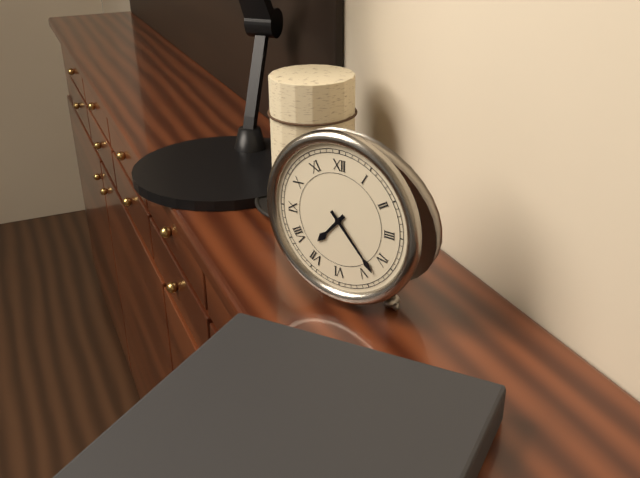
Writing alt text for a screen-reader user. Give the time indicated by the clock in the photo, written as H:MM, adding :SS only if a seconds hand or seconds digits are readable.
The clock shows 7:23
